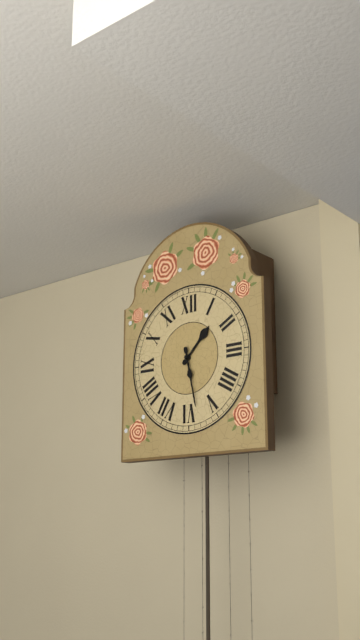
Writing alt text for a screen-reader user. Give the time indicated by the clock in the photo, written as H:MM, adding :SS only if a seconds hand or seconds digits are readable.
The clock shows 1:28
